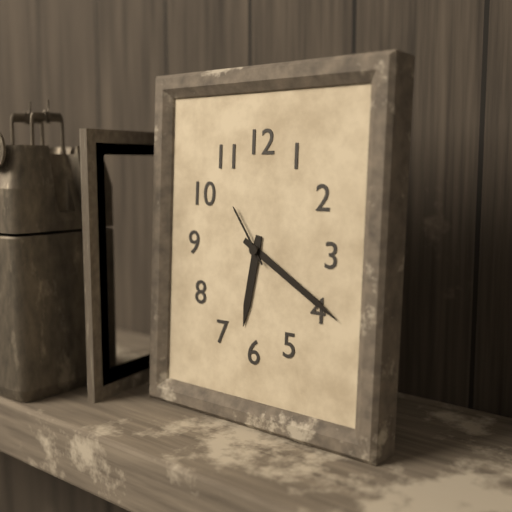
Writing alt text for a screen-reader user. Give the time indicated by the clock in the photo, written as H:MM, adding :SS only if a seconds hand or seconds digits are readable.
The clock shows 6:20:54
